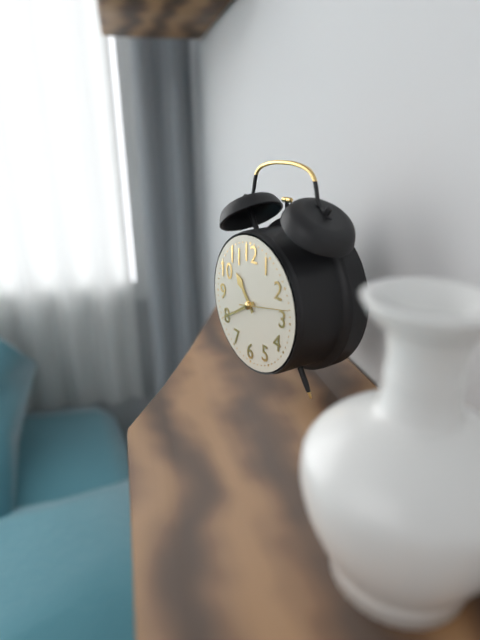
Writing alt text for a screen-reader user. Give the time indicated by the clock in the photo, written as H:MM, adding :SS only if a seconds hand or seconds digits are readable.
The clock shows 10:40
